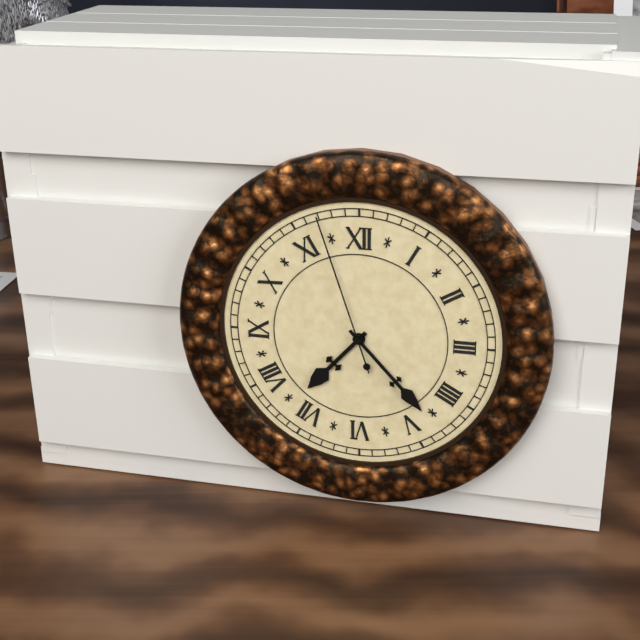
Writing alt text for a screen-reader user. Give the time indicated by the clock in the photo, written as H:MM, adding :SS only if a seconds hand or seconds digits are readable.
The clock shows 7:23:57
